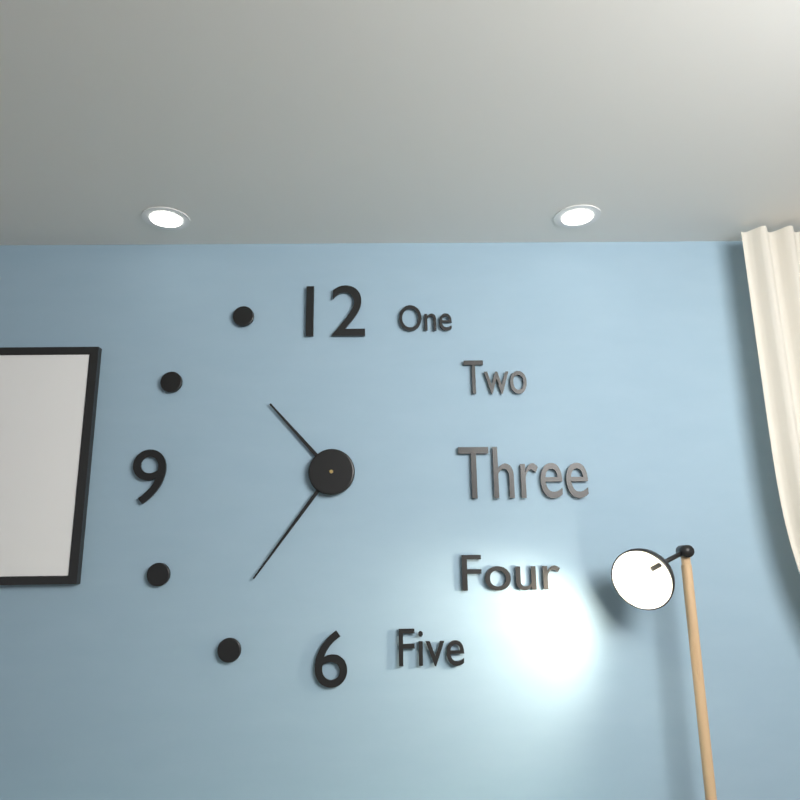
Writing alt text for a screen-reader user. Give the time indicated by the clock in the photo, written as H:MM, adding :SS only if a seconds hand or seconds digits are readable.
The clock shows 10:36
